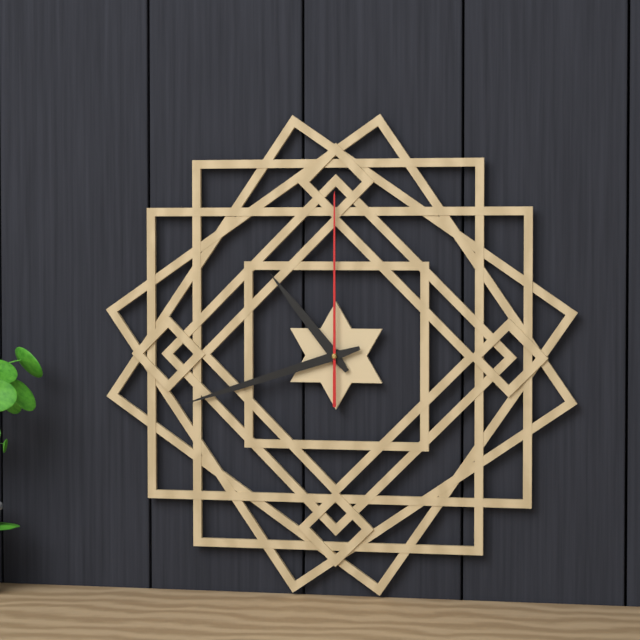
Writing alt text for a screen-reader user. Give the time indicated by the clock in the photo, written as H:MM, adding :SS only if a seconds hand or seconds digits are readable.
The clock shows 10:42:00
